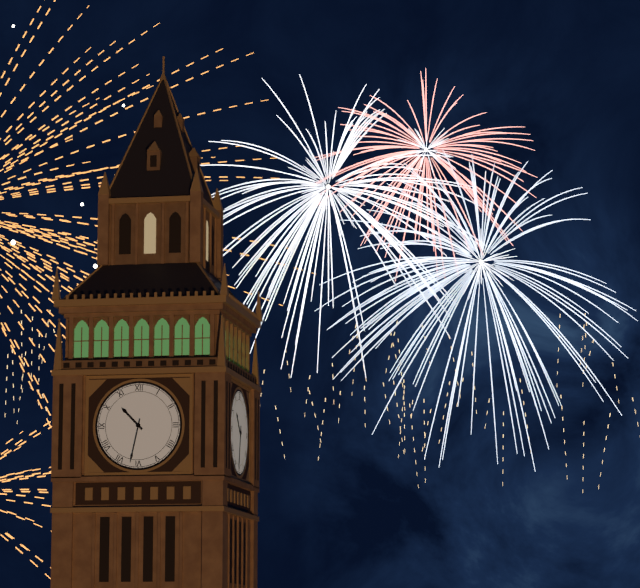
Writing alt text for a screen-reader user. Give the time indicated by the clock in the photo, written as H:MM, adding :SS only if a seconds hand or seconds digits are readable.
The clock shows 10:32
